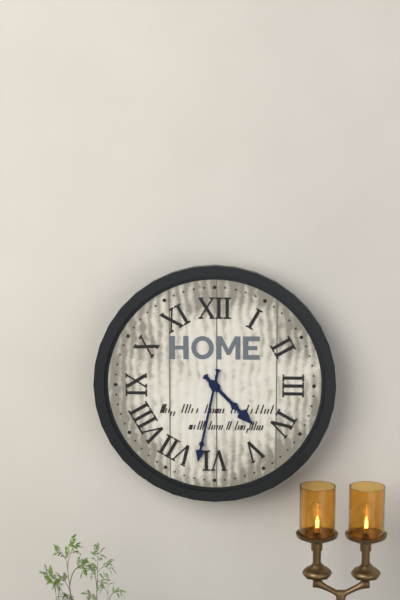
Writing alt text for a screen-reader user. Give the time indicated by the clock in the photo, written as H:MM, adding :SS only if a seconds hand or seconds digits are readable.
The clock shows 4:32
